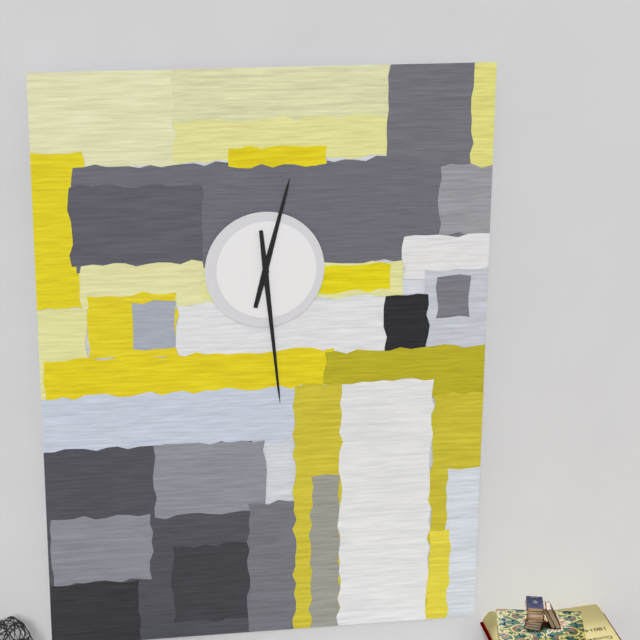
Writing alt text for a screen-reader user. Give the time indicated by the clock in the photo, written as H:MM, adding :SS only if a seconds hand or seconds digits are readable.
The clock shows 12:29
